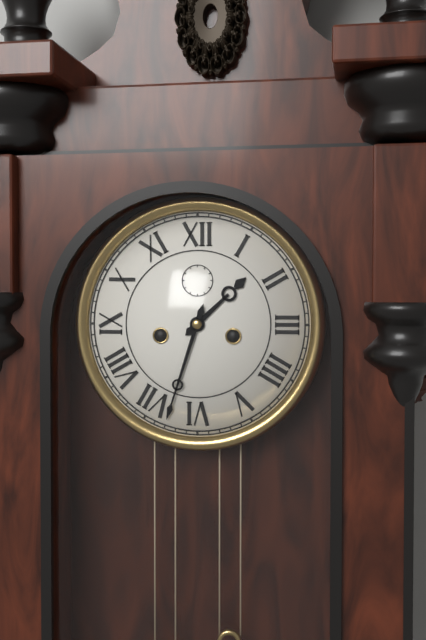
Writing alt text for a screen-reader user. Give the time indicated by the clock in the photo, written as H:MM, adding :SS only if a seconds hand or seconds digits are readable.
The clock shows 1:33
